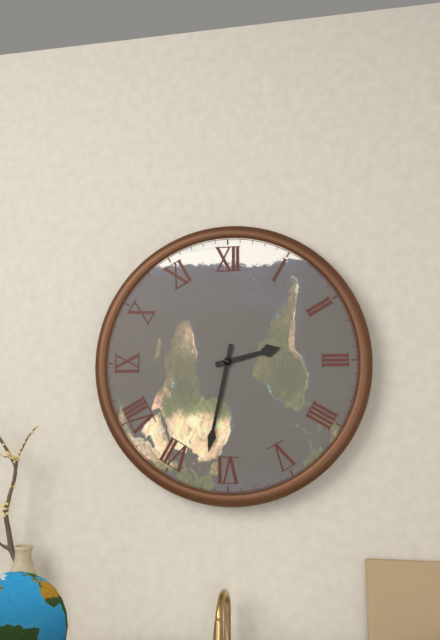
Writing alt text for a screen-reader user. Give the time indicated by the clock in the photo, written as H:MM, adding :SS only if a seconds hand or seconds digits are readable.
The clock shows 2:32
